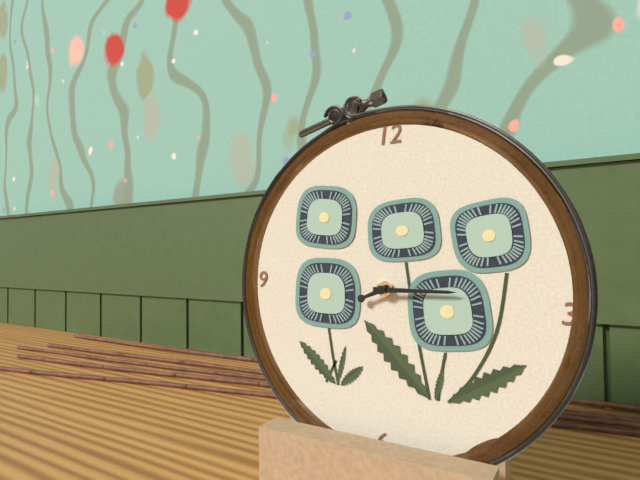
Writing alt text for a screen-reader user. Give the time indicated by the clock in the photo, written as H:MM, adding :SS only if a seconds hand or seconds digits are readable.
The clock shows 8:15
